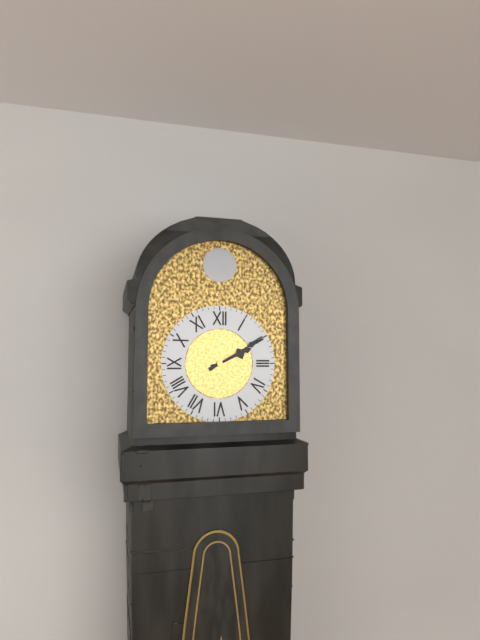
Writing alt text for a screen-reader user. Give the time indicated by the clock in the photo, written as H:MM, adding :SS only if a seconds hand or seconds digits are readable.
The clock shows 2:10
